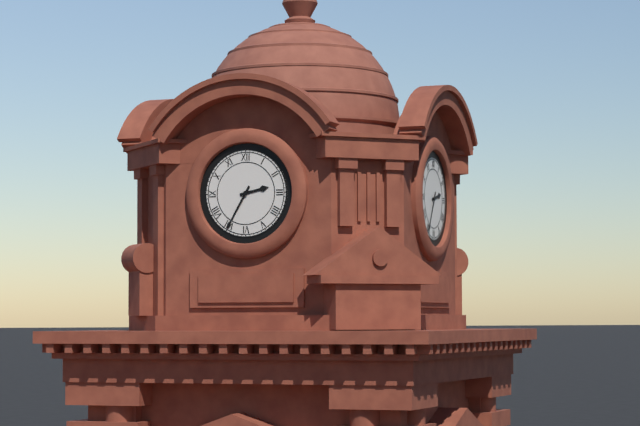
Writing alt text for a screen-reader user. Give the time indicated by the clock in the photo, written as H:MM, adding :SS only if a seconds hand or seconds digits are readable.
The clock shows 2:35
